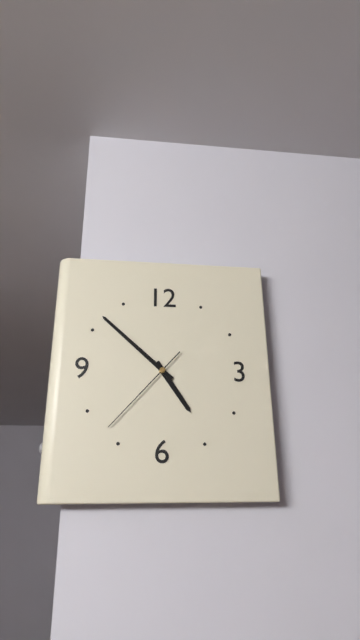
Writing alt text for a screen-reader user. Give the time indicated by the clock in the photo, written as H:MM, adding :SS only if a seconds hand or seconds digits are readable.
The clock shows 4:52:37
